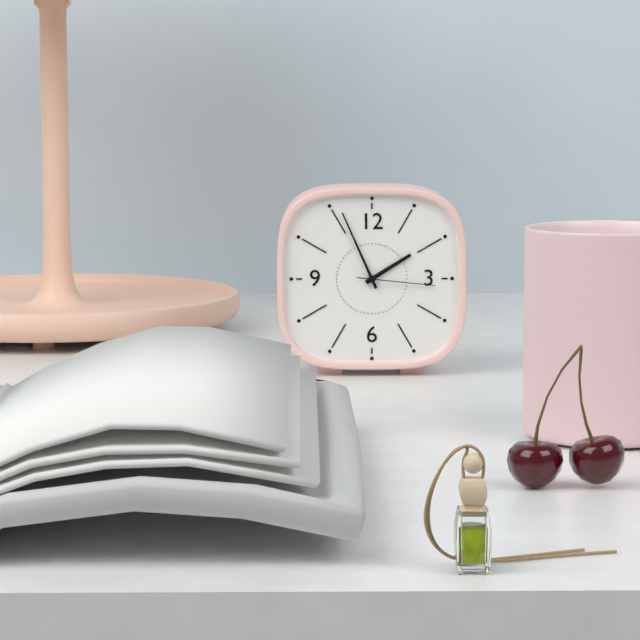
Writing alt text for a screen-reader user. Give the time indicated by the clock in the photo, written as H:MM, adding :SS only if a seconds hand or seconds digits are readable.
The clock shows 1:56:16
